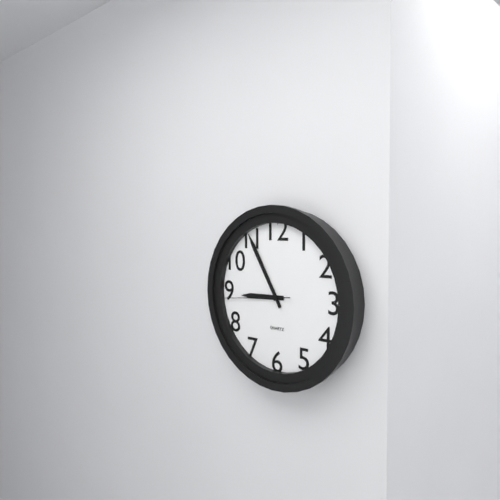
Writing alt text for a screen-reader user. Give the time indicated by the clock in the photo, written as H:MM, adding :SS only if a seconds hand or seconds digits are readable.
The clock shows 8:55:44
